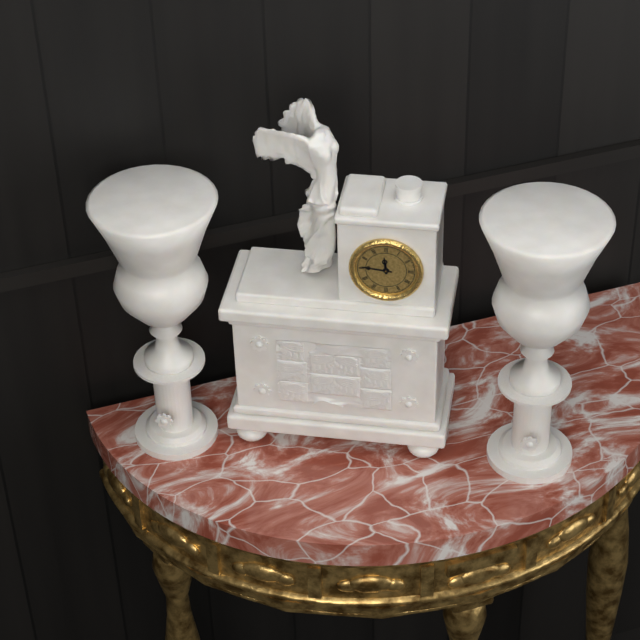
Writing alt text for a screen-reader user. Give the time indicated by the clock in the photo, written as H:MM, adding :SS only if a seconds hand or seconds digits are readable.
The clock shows 11:46
